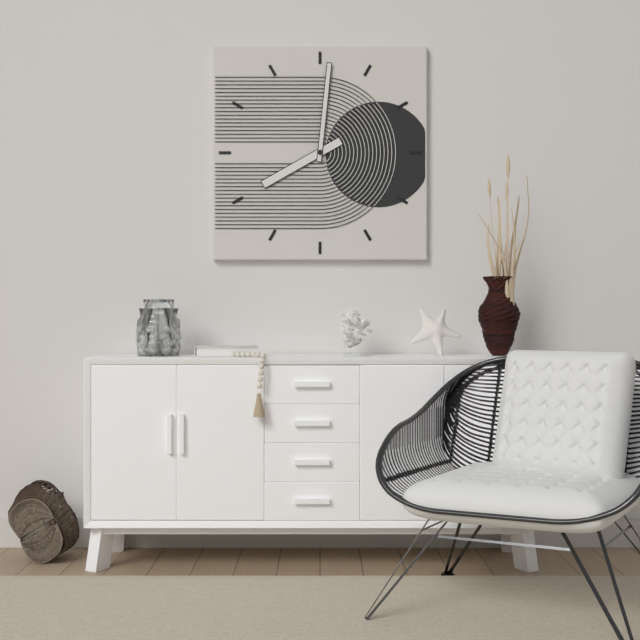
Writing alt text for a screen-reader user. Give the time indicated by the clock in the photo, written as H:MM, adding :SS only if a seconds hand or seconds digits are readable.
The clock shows 8:01
